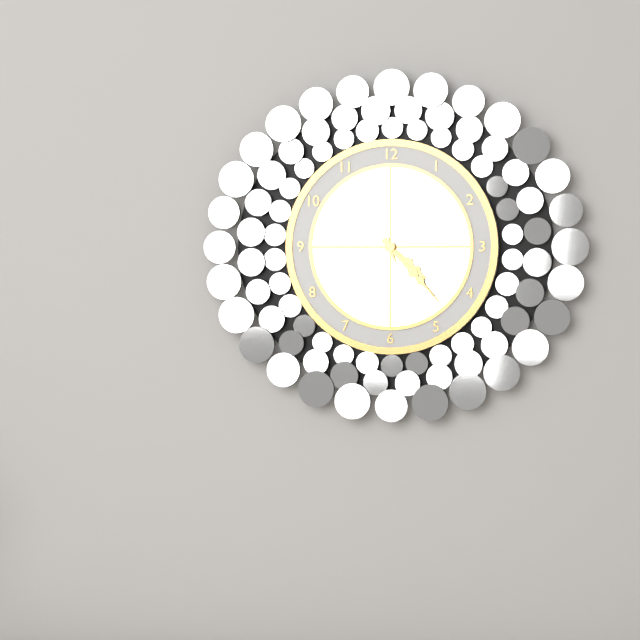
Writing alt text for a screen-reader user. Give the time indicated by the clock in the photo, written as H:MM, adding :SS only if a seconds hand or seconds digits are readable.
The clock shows 4:23:57
